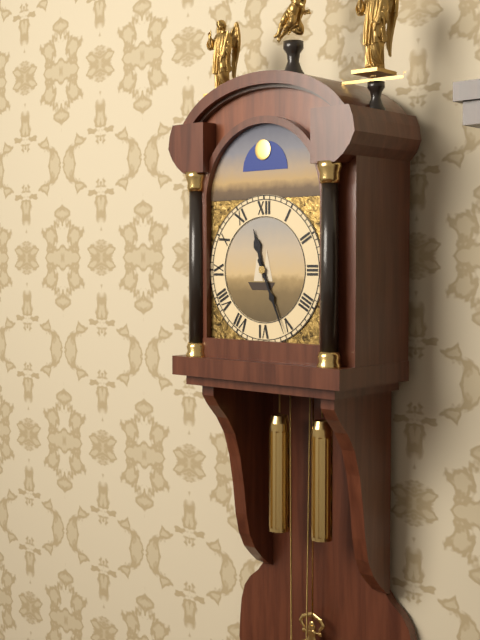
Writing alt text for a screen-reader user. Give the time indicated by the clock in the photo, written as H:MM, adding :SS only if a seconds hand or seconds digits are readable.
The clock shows 11:26
